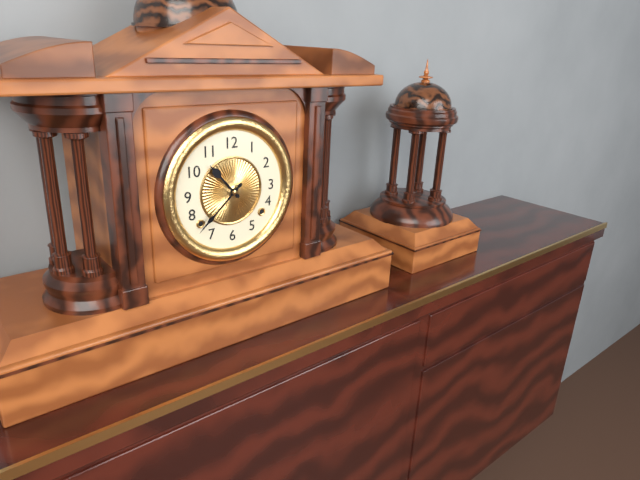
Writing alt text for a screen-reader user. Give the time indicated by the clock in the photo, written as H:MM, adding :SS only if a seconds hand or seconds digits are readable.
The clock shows 10:38
